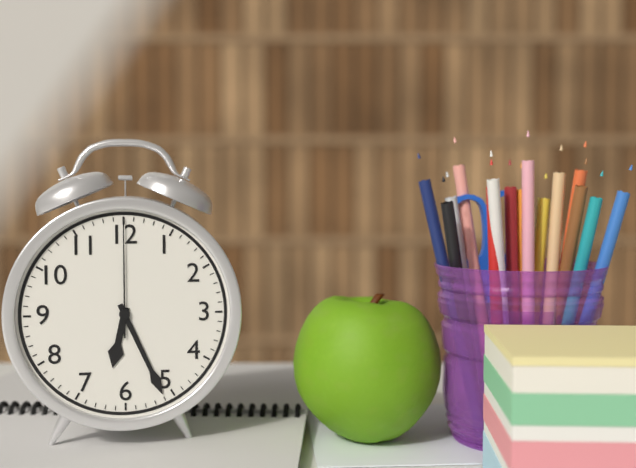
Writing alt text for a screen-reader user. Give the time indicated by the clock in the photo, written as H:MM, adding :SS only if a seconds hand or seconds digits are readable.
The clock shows 6:26:00
